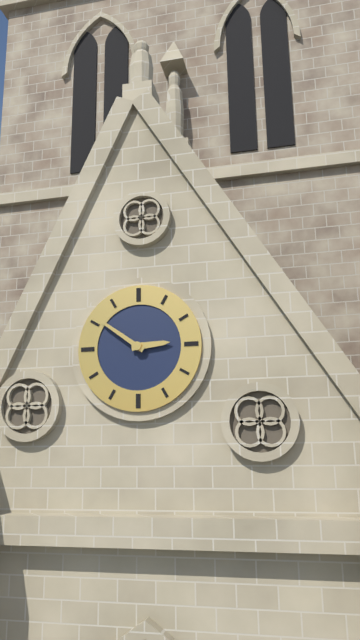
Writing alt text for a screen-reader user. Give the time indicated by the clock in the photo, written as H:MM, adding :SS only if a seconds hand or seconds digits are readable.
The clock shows 2:51
